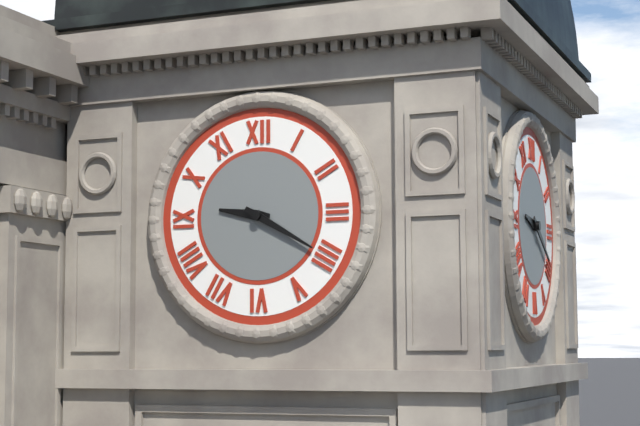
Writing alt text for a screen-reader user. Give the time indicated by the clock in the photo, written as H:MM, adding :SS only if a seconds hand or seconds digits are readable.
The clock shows 9:20
